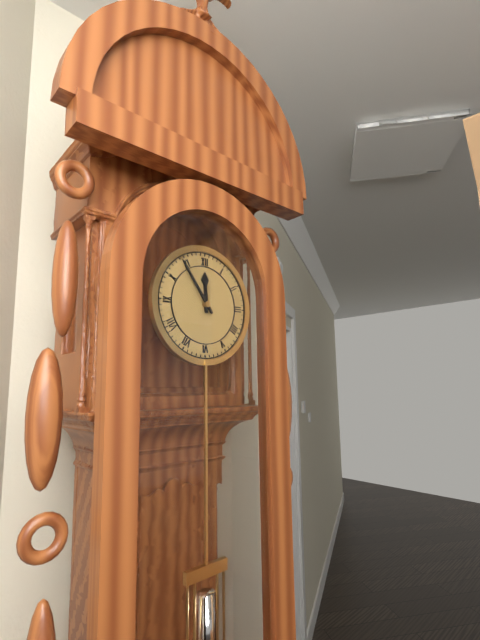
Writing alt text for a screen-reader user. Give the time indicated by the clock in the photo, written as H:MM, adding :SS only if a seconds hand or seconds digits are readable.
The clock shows 11:54
